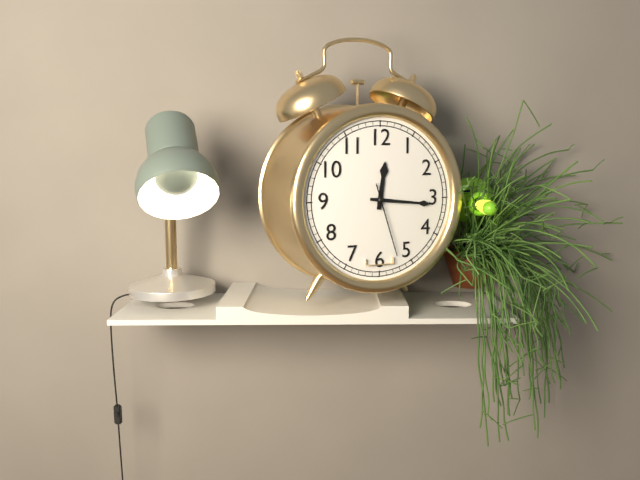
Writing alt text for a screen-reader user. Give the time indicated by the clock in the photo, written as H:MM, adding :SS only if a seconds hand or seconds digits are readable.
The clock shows 12:16:27
